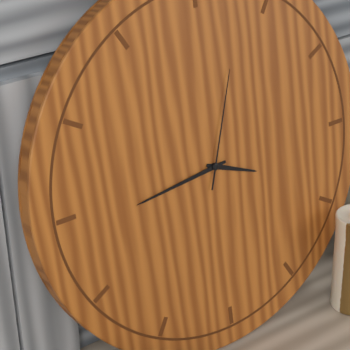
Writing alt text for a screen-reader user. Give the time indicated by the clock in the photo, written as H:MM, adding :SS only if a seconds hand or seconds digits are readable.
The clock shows 3:44:03
